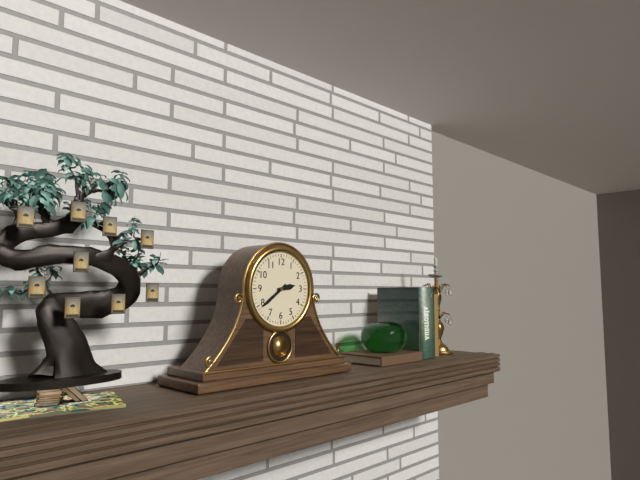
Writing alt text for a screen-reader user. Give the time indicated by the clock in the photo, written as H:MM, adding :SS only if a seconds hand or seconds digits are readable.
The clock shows 2:39
